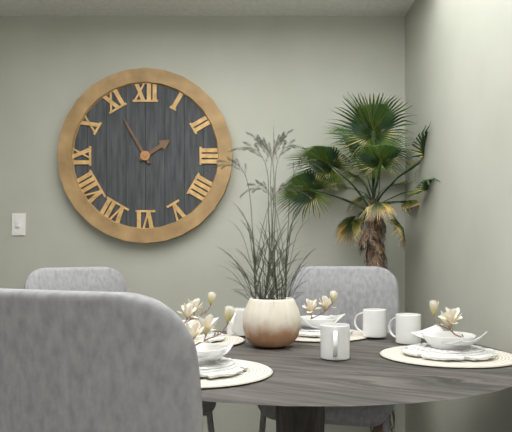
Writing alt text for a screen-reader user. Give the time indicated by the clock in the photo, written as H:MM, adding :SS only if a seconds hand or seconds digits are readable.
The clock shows 1:55
